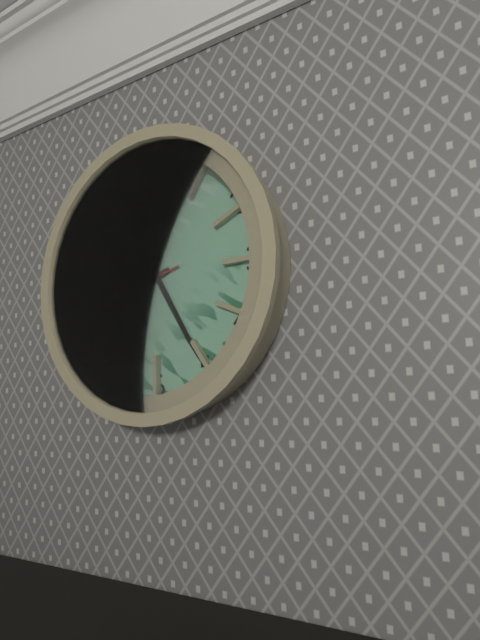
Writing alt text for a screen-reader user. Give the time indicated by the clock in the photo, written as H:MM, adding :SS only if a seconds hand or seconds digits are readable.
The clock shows 8:25:43
